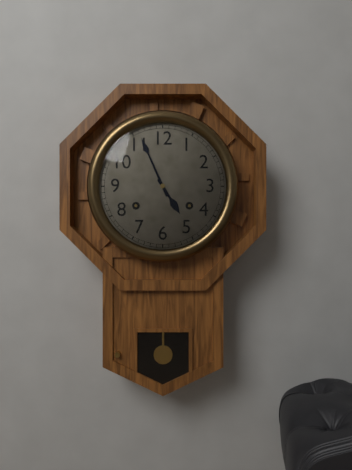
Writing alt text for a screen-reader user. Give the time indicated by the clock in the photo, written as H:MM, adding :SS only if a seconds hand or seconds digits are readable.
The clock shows 4:56
